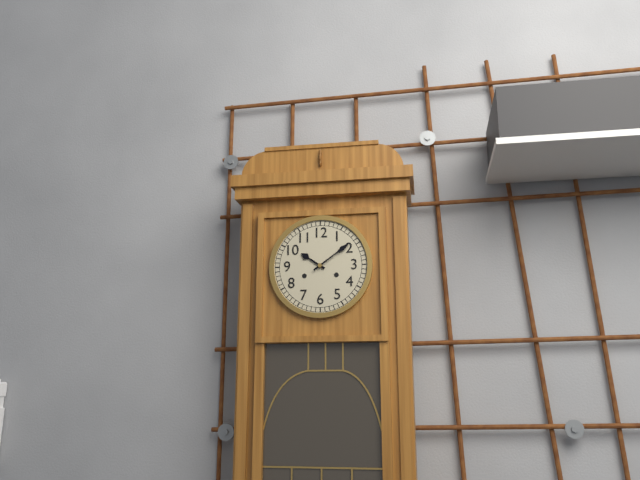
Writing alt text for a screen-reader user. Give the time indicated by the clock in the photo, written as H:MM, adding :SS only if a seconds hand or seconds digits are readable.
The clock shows 10:09
